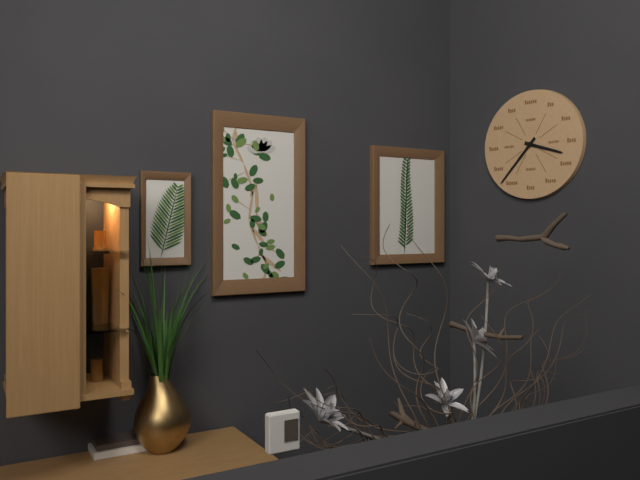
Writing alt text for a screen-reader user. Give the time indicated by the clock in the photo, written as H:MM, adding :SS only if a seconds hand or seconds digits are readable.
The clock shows 3:37
